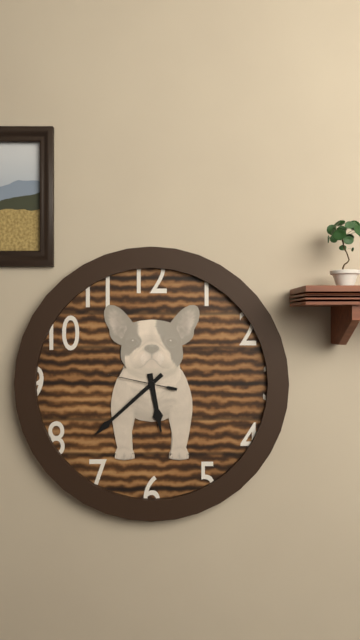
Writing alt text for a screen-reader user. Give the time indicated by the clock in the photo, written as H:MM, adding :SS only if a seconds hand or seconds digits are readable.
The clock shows 5:38:47
